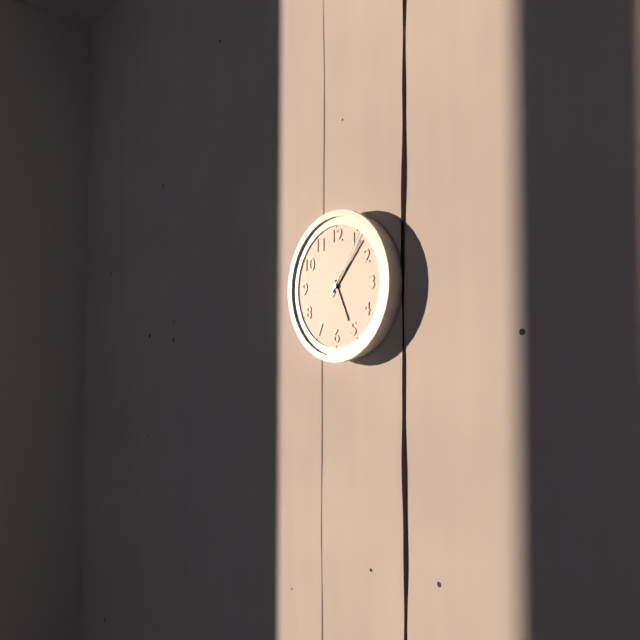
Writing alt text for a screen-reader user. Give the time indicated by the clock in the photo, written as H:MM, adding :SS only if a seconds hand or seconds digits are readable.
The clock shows 5:07:06
